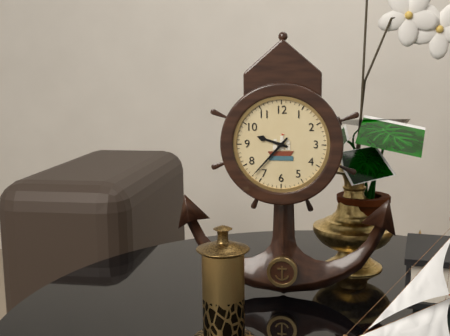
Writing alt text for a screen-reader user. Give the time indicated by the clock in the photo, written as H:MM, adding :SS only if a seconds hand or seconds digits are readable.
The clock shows 9:37
